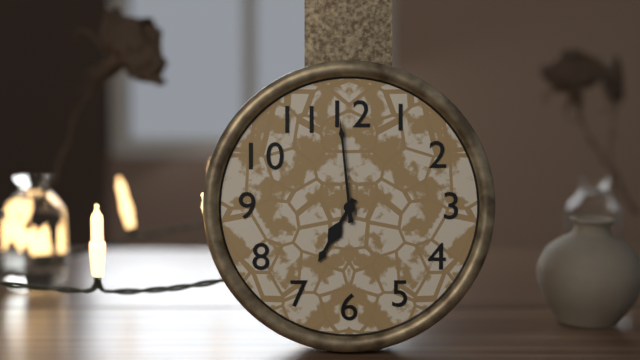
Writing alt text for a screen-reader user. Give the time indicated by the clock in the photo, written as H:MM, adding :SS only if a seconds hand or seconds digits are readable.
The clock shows 6:59
